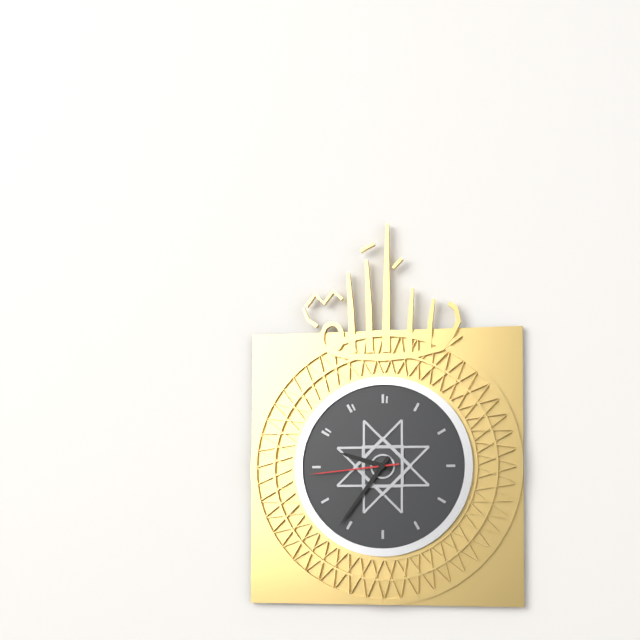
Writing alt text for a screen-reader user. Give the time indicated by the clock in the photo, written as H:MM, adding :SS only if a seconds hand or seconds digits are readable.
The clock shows 9:36:44
